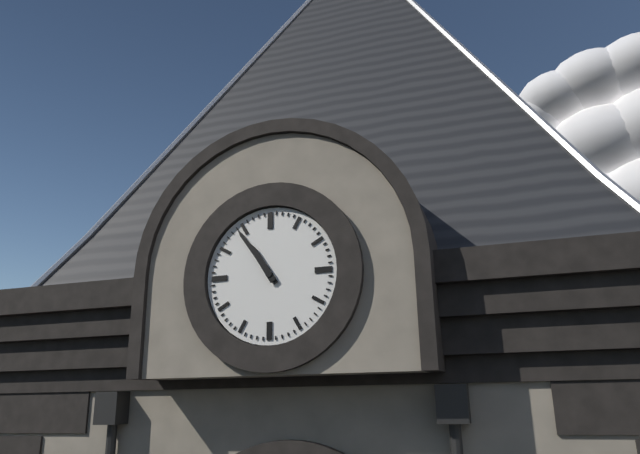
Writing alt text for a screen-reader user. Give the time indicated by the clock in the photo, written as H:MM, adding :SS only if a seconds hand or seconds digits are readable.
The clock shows 10:54
